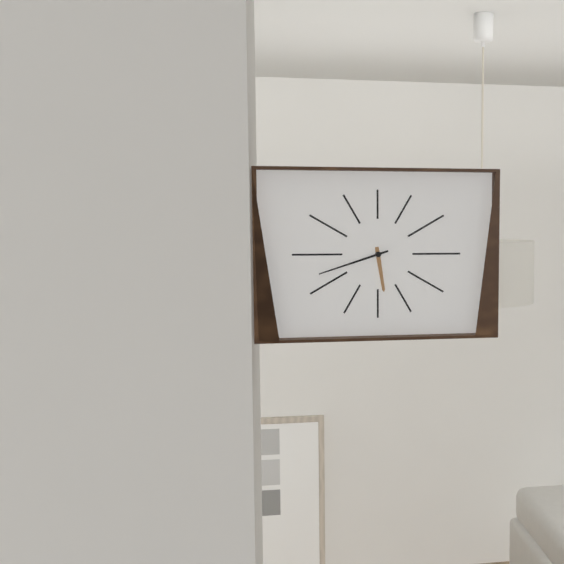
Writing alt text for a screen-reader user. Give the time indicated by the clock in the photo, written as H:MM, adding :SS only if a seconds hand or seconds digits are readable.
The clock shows 5:42
